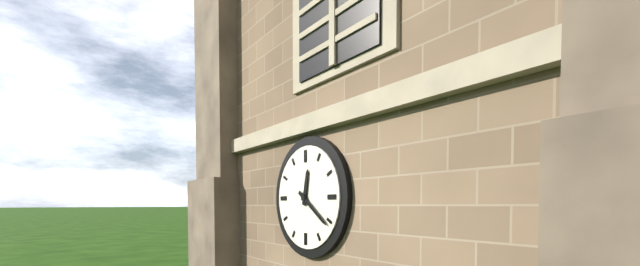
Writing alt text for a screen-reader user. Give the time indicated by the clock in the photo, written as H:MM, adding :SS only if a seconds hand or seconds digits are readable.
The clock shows 12:21
